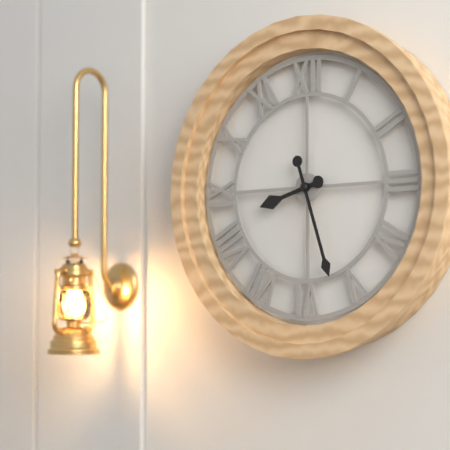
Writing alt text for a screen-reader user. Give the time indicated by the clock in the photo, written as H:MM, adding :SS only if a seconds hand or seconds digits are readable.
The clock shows 8:27
